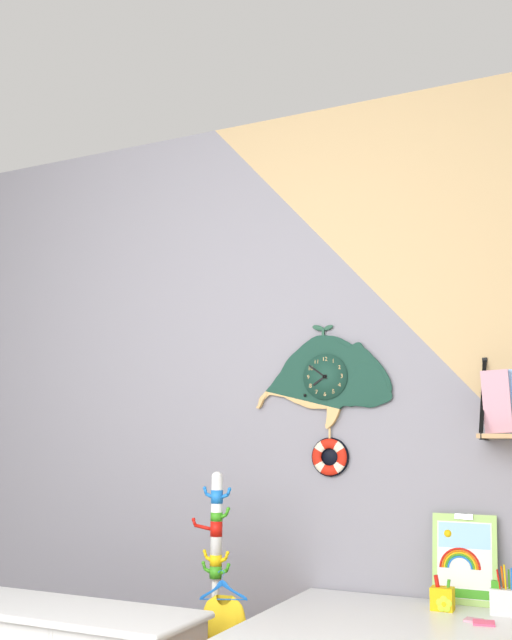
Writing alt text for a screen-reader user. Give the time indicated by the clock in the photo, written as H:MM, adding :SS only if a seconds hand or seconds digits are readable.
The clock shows 7:51
